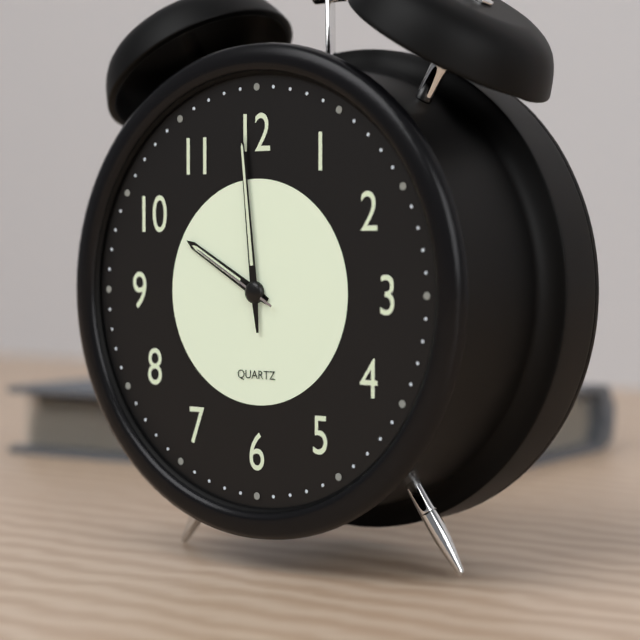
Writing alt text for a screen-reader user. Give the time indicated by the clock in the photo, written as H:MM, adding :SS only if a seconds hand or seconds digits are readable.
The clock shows 9:59:50
